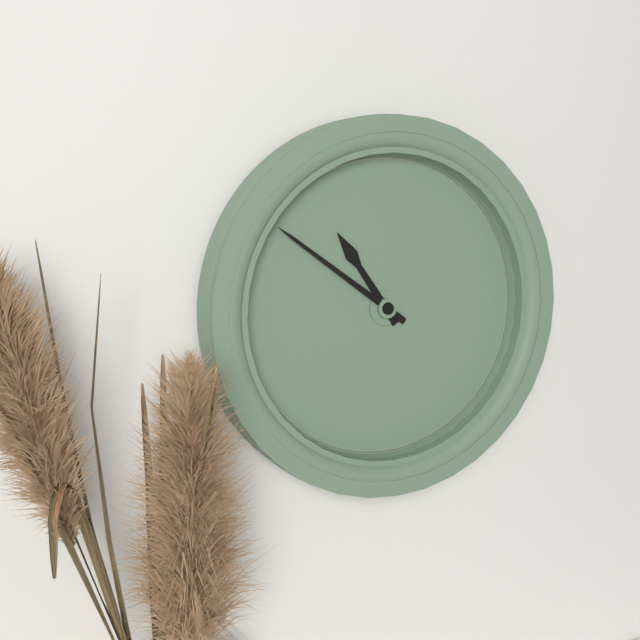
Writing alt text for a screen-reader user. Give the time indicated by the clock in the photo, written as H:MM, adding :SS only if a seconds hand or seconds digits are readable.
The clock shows 10:51
